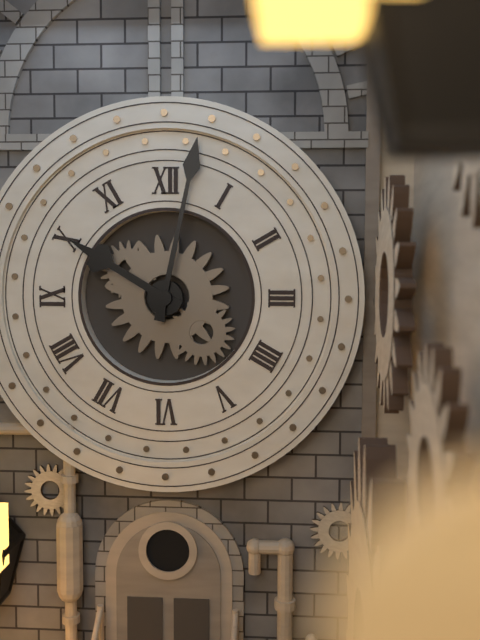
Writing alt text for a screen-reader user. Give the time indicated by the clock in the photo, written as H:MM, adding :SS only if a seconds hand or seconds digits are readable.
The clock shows 10:02
